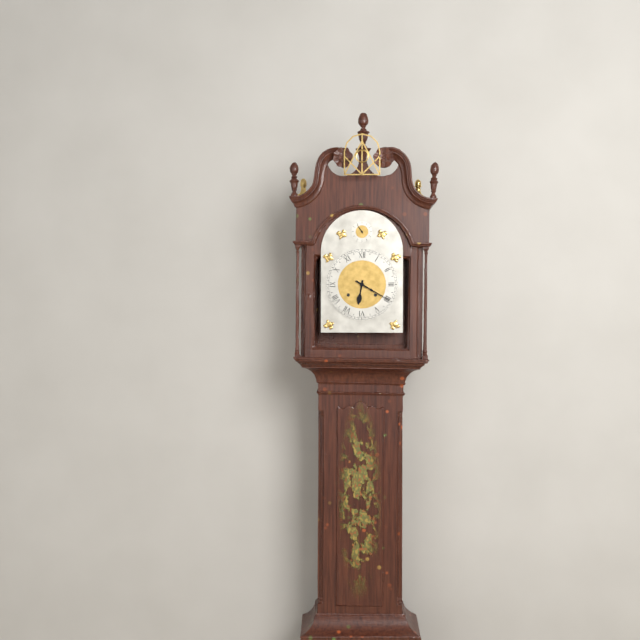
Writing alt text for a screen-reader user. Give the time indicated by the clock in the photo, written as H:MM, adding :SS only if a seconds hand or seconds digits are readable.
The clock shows 6:20
